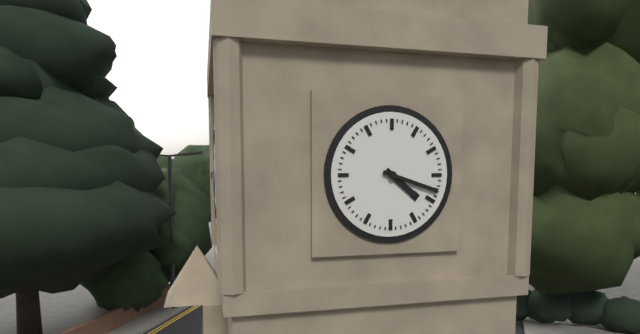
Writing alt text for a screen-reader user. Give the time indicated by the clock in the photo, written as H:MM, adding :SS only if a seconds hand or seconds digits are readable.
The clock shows 4:18
